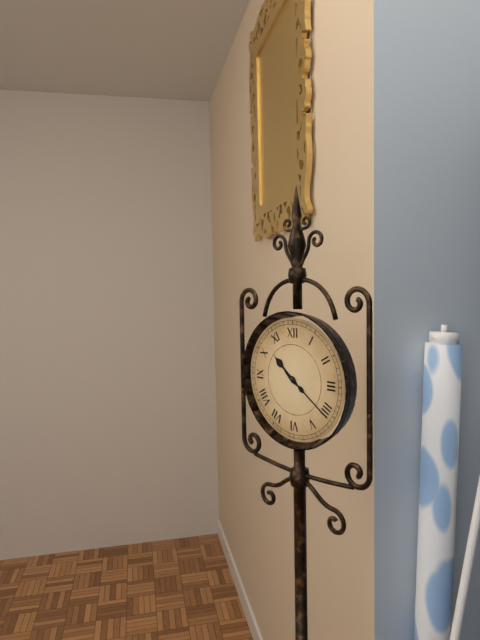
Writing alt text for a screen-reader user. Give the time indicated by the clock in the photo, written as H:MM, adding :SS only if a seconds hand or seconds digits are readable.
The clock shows 10:21
